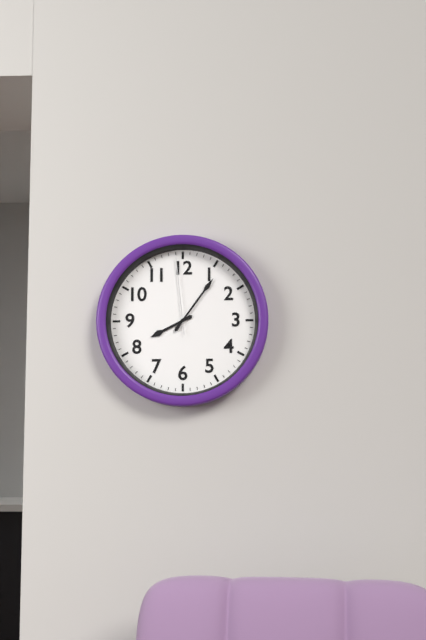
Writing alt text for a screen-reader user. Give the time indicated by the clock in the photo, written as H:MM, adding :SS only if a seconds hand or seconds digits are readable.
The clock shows 8:06:59
